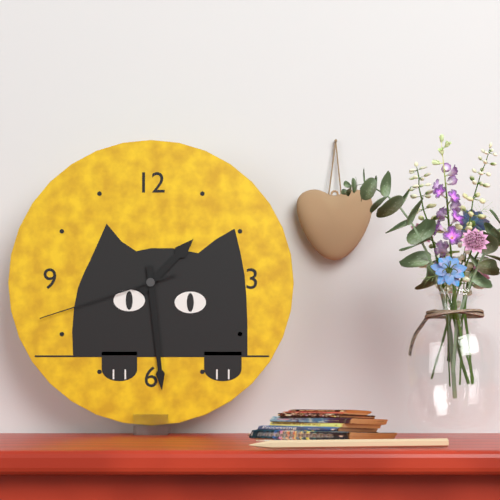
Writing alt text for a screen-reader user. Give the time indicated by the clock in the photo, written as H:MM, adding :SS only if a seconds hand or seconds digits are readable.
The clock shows 1:29:42
